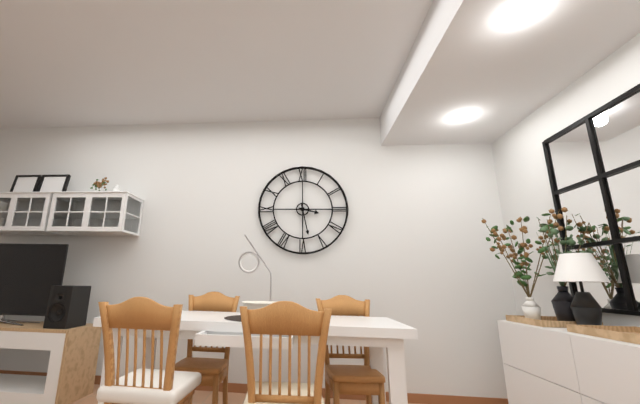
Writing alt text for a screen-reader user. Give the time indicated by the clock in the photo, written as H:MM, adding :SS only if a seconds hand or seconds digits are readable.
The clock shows 3:28
